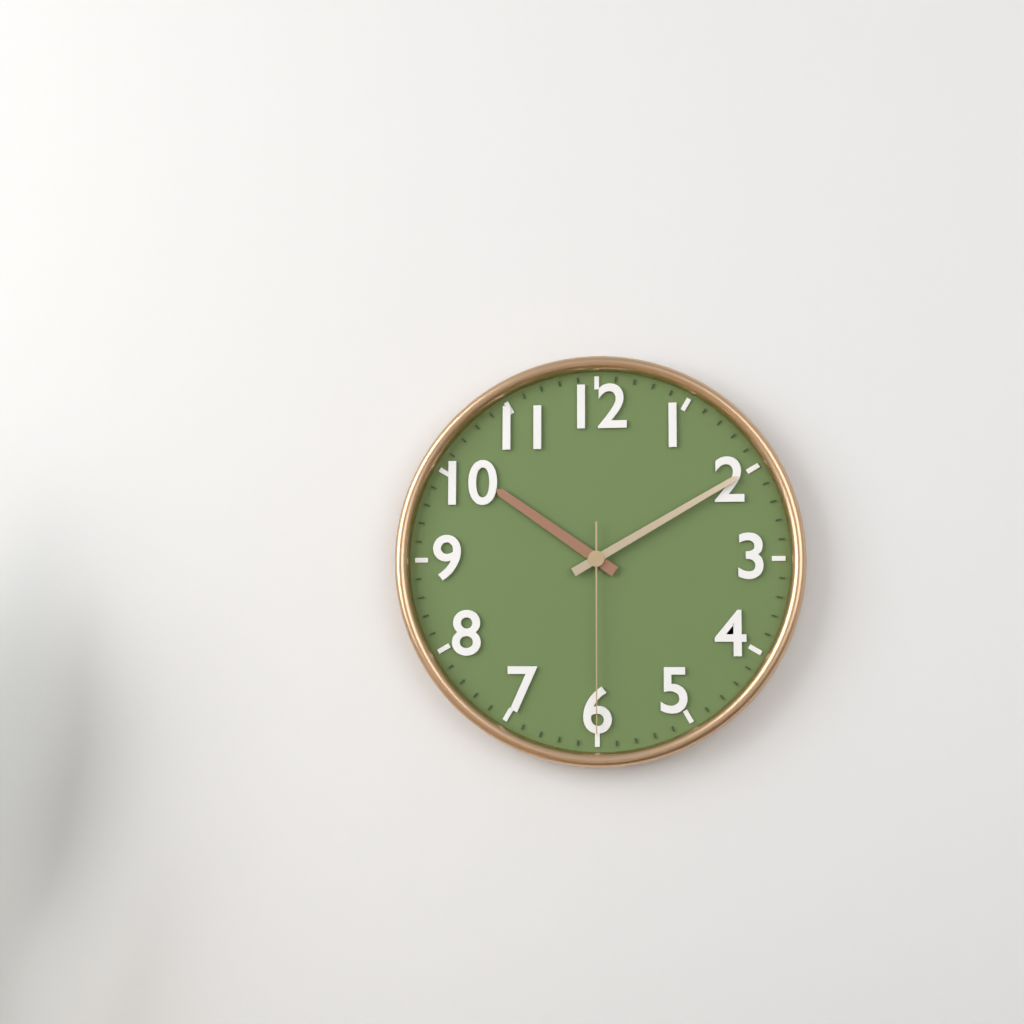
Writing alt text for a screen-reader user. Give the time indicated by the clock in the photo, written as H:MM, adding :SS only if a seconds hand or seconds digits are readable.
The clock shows 10:10:30
